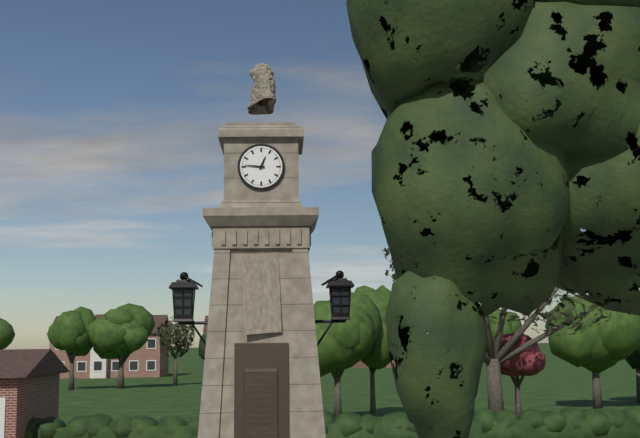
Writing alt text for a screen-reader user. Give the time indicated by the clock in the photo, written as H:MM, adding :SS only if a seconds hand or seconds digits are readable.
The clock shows 12:46
